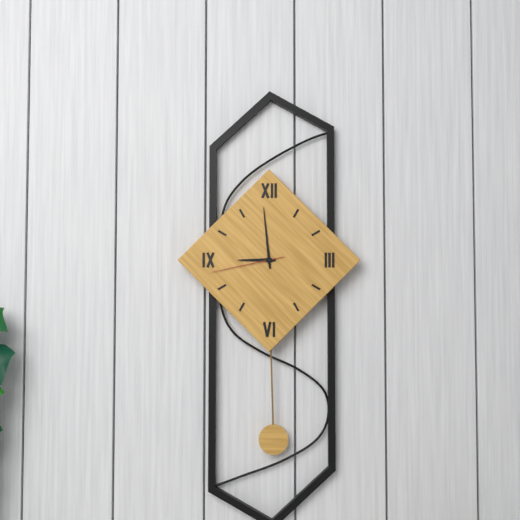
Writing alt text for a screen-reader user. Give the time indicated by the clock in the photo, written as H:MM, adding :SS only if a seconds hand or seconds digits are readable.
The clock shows 8:59:43
